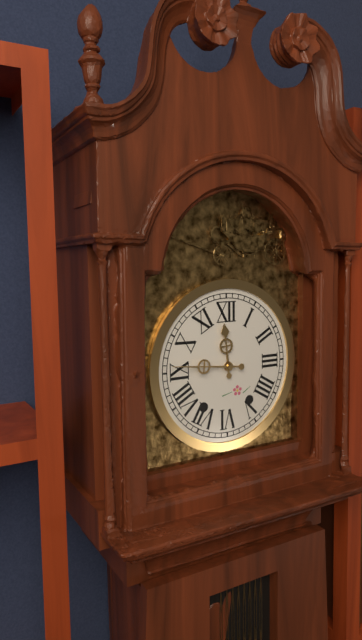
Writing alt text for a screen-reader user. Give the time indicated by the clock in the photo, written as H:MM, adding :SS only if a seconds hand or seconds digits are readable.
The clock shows 11:46
